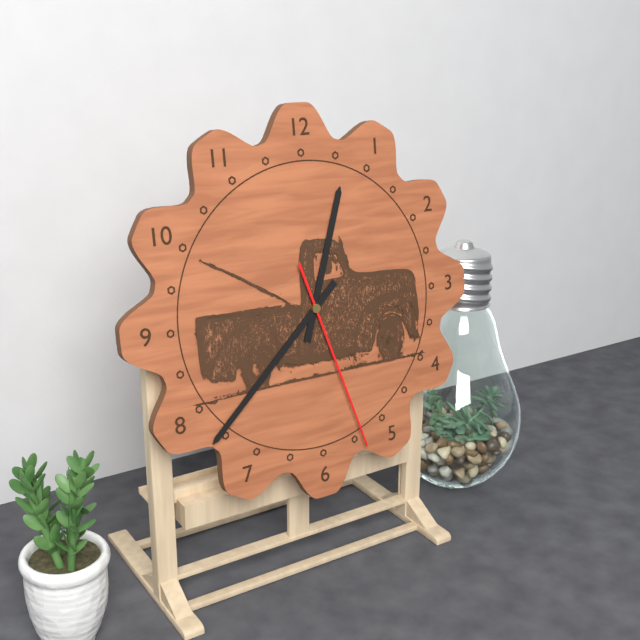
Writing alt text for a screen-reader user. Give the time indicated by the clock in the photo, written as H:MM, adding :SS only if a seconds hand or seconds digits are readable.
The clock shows 12:38:27
